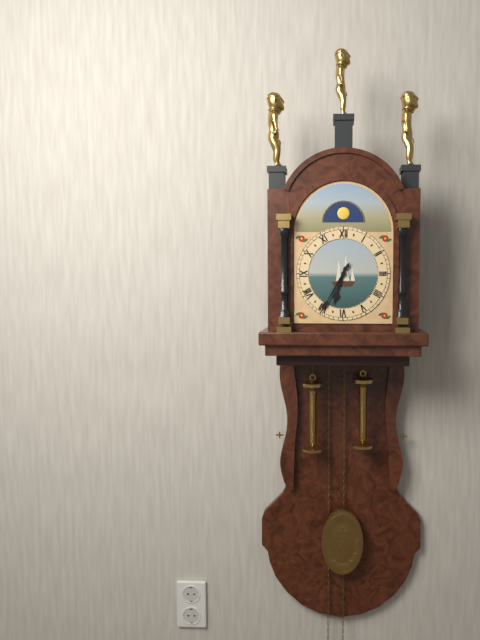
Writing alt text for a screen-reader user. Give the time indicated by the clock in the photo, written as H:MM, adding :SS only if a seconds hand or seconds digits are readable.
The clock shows 6:35
